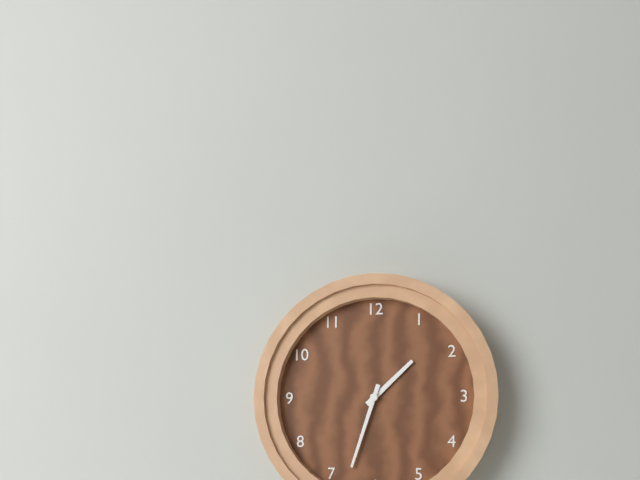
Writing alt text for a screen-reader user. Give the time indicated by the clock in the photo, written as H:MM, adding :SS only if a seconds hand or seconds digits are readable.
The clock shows 1:33
